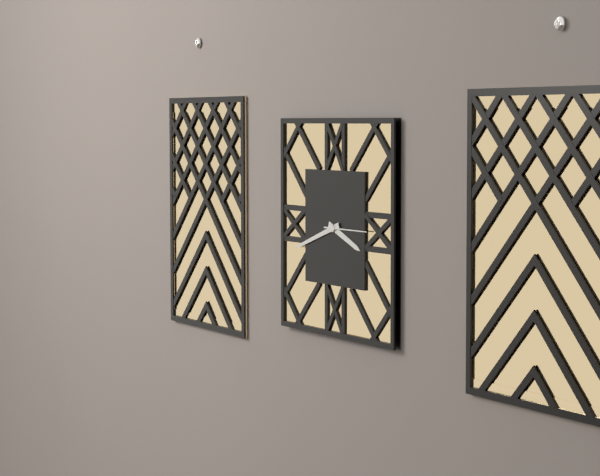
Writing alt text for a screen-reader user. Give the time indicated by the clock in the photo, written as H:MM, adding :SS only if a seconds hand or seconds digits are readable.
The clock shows 3:42
